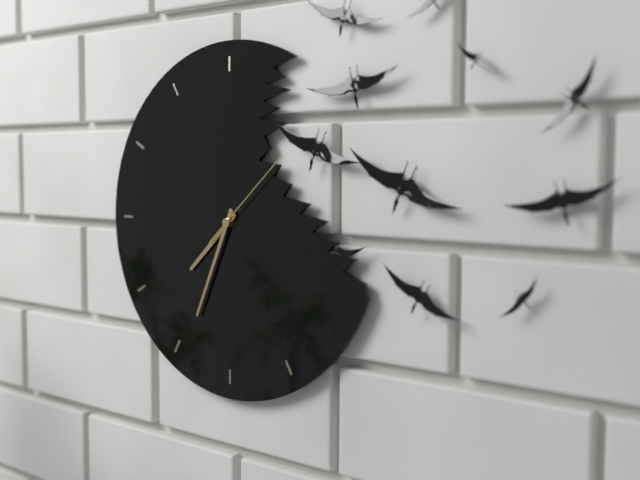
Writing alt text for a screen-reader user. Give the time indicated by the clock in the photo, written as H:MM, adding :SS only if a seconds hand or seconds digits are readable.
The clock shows 7:34:08
